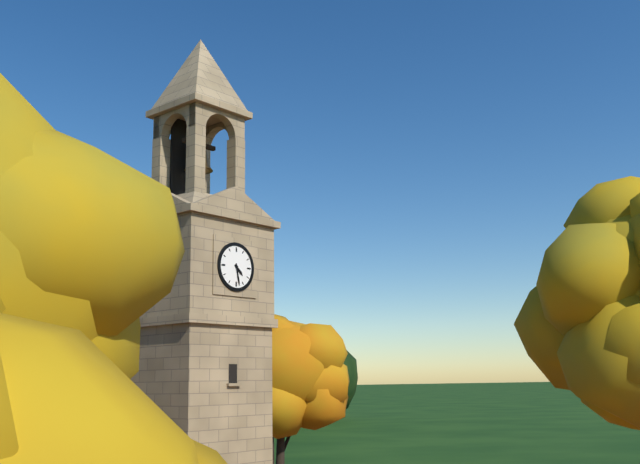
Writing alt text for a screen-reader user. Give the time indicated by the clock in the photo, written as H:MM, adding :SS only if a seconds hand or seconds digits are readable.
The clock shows 4:28
